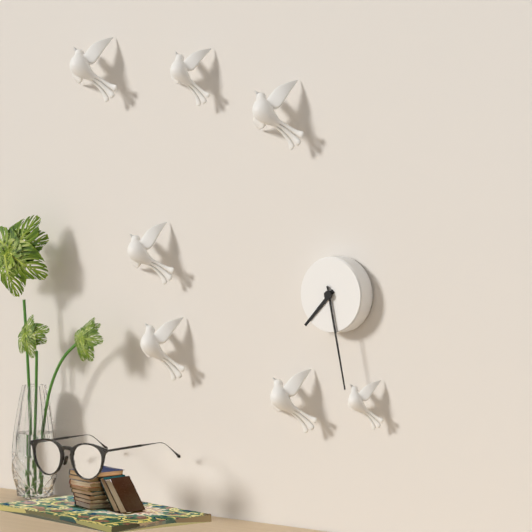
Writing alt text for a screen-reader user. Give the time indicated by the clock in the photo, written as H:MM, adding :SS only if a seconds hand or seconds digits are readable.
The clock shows 7:28
